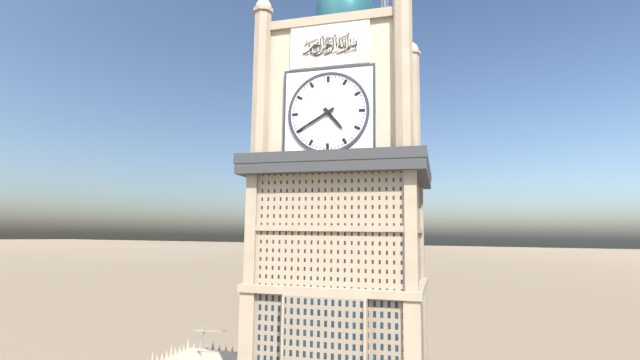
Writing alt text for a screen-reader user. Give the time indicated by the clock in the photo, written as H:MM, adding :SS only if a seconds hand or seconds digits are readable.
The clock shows 4:40
